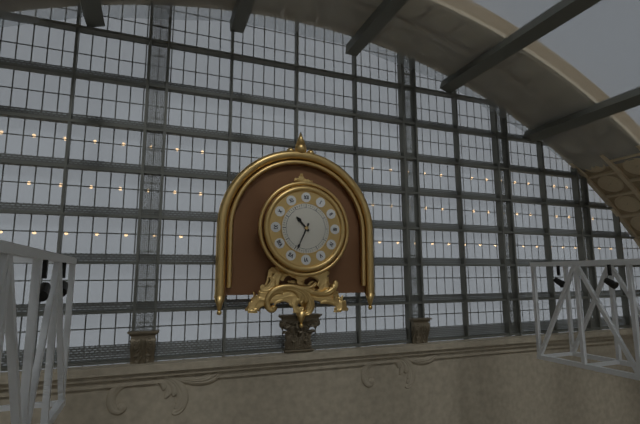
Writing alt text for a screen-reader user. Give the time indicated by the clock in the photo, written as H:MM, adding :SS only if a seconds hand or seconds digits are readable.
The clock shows 10:34
